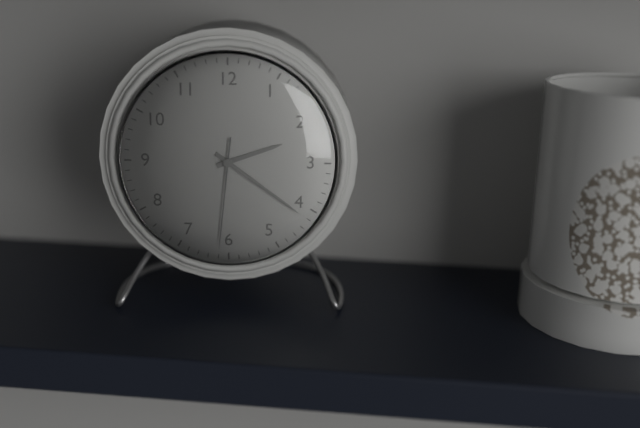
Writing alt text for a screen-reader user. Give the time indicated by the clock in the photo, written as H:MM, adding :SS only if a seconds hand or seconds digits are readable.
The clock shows 2:21:31
